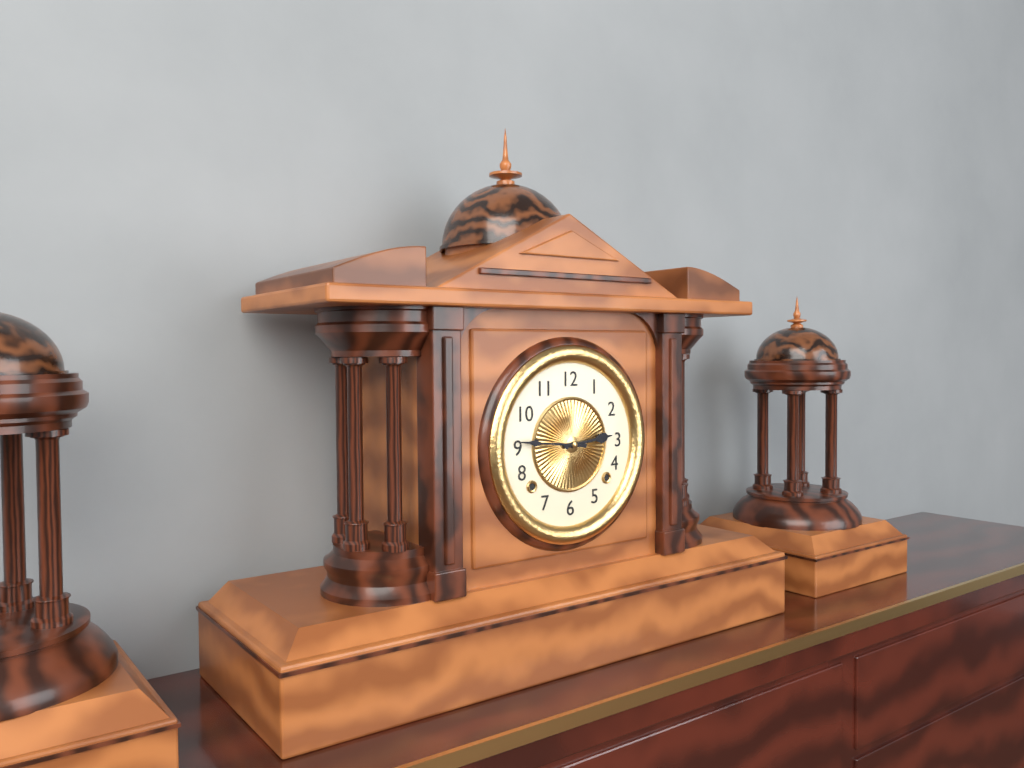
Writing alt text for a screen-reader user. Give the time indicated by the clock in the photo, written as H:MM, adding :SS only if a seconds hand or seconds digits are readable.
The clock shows 2:46
